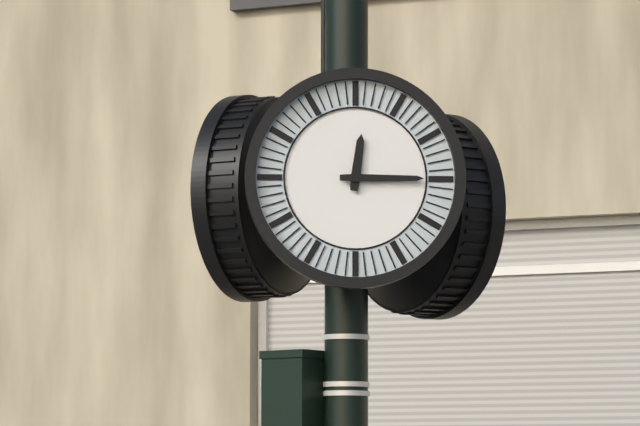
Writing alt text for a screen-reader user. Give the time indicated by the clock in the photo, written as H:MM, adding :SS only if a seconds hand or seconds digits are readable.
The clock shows 12:15
